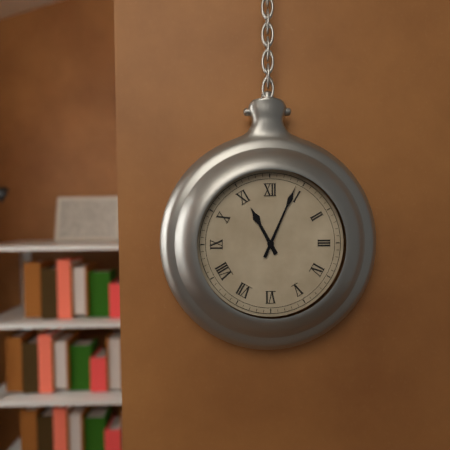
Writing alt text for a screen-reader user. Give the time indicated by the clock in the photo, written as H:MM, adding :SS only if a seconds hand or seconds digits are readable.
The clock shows 11:04
